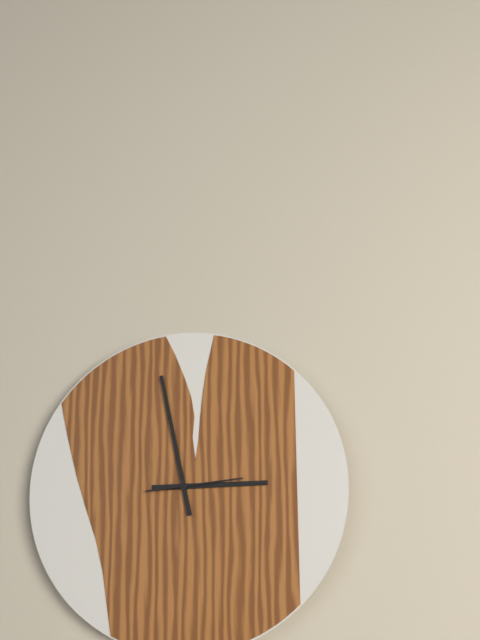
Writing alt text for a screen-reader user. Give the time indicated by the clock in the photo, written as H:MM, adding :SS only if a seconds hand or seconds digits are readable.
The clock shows 2:58:14
